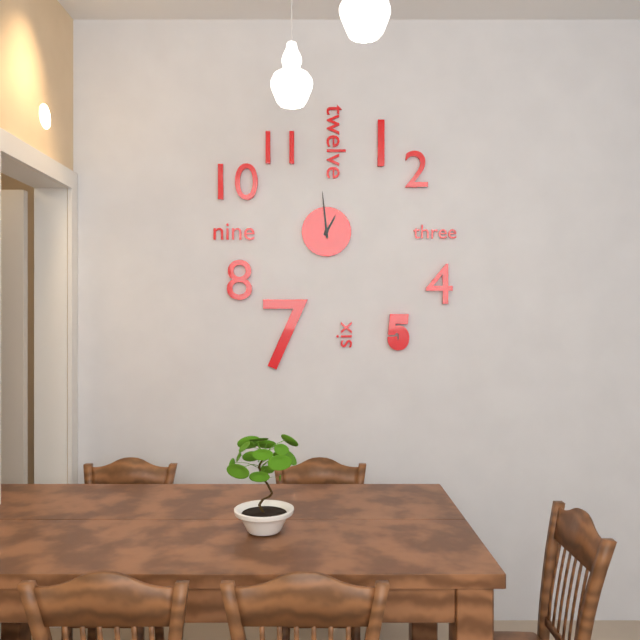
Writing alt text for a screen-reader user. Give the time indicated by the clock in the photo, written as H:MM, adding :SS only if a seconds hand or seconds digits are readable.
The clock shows 12:59
